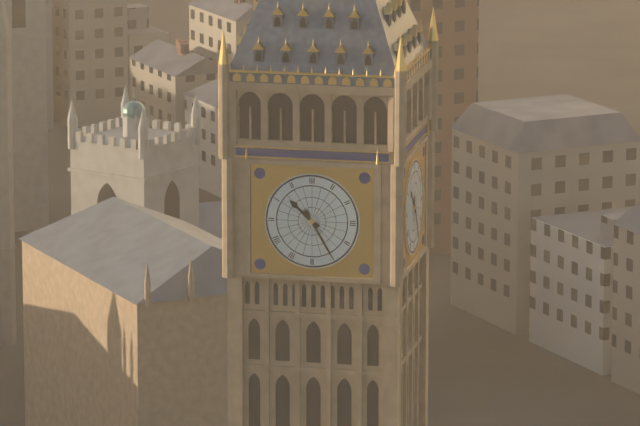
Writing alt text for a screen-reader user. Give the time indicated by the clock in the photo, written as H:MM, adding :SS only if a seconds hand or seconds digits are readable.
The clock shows 10:25
